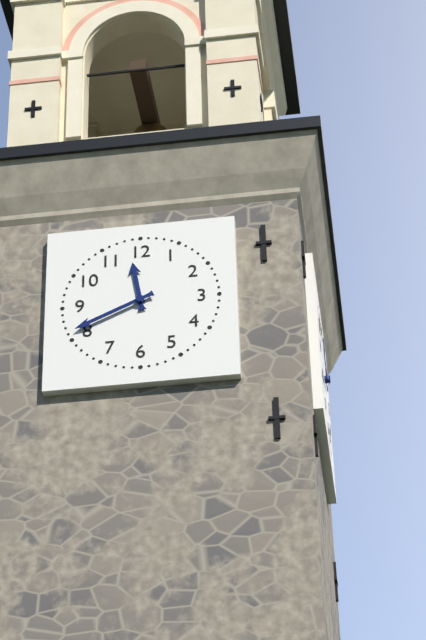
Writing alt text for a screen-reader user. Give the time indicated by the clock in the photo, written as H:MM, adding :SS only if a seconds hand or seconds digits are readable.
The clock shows 11:41
